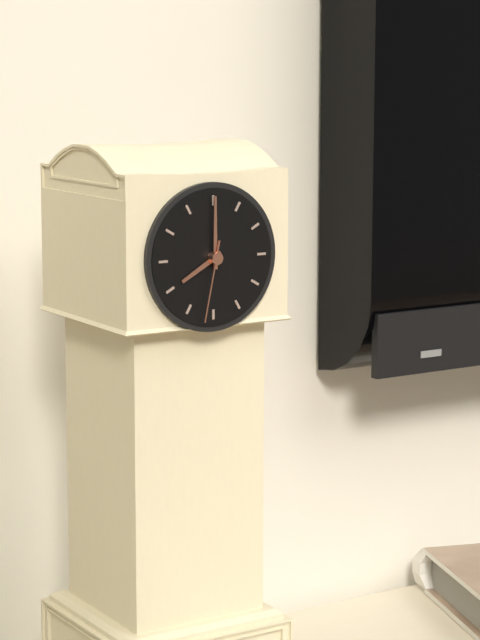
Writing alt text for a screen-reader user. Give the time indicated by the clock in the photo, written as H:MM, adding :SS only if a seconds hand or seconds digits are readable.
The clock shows 8:00:32
